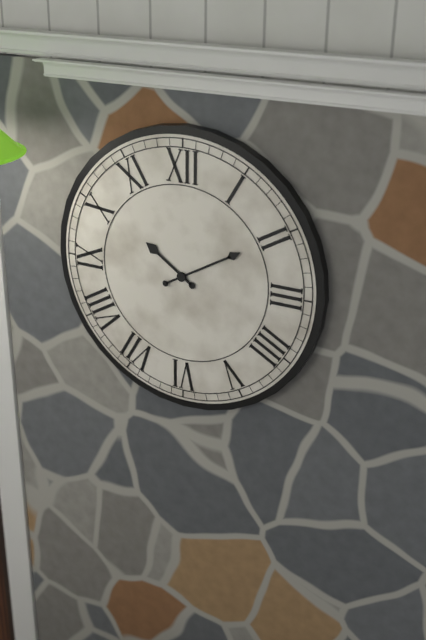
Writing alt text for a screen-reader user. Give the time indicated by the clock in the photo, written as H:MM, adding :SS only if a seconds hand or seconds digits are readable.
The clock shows 10:10
